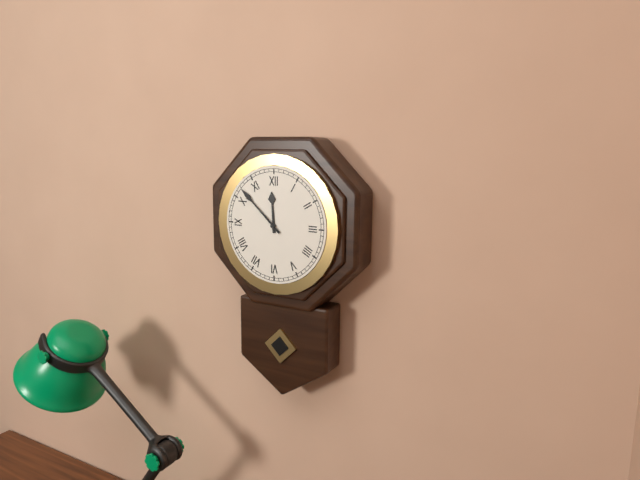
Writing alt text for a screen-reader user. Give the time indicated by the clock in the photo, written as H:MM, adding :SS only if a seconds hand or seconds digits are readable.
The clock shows 11:52
